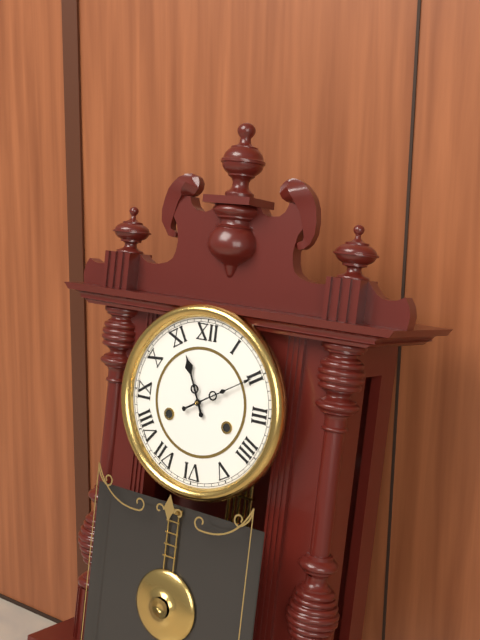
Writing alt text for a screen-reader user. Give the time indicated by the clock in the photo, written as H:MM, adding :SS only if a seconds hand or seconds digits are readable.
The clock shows 11:10
